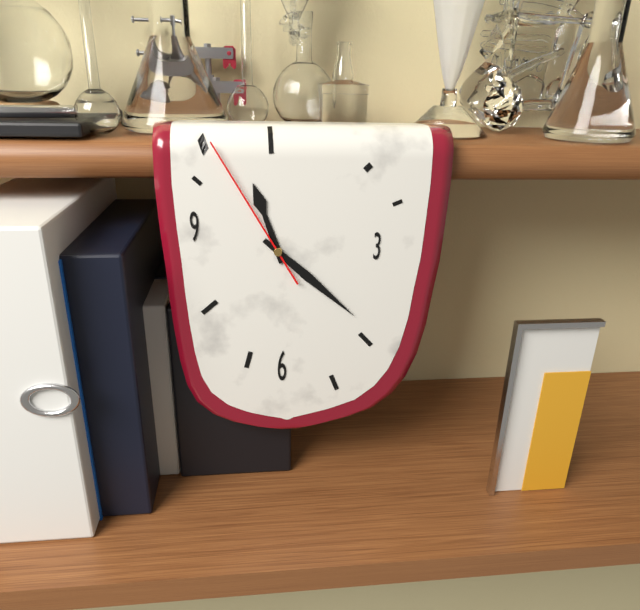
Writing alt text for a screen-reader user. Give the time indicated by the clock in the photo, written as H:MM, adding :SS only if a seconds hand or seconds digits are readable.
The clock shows 11:22:55
